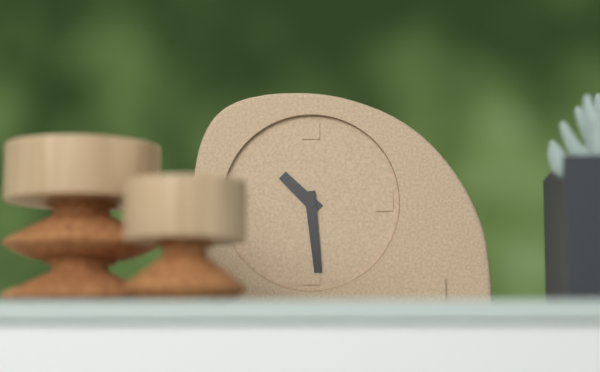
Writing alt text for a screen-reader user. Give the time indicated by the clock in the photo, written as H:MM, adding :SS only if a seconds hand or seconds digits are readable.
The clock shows 10:29
